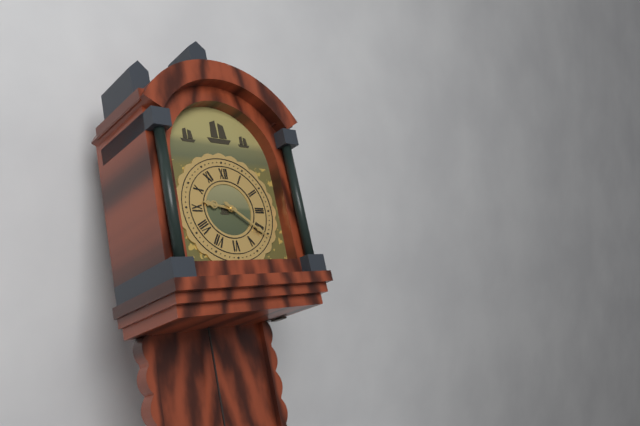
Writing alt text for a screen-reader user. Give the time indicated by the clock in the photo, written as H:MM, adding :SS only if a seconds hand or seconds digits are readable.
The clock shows 9:21
